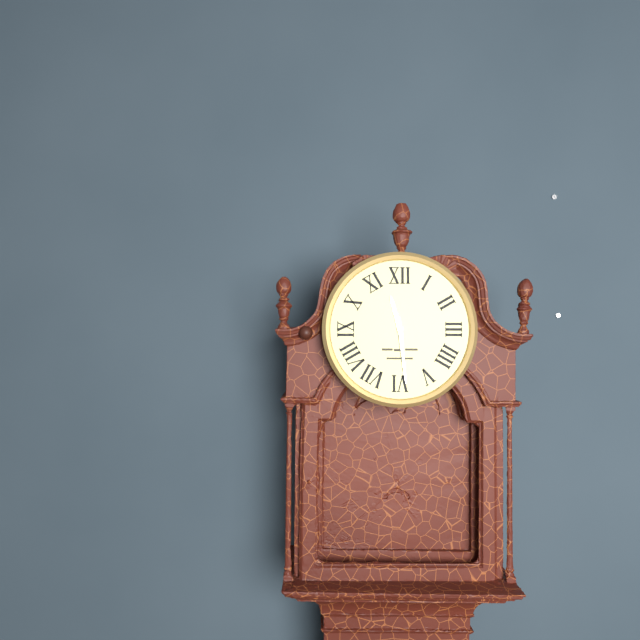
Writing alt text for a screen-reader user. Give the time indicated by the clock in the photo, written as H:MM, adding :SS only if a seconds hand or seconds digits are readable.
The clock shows 11:29
